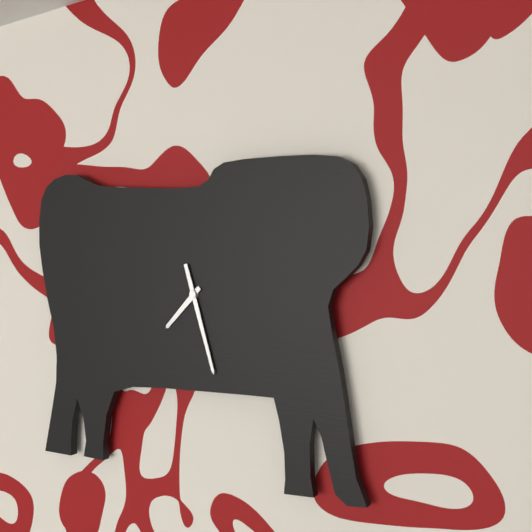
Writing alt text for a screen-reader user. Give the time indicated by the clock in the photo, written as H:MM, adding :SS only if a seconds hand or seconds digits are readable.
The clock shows 7:27
